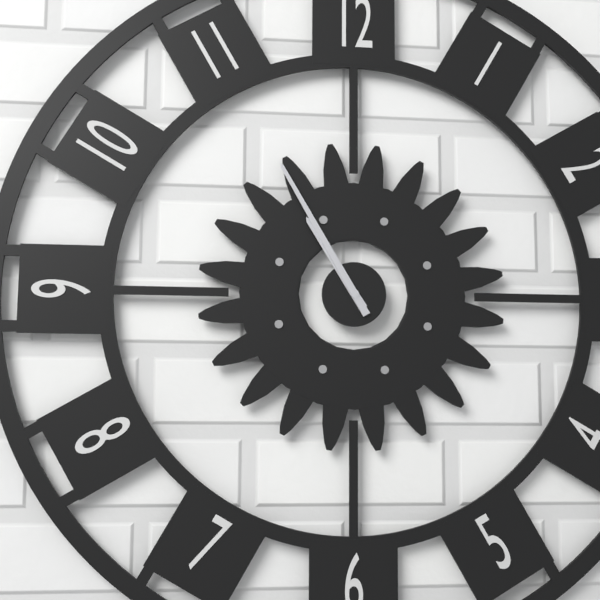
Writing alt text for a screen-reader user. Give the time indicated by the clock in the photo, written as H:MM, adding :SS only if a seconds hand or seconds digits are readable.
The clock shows 10:55
